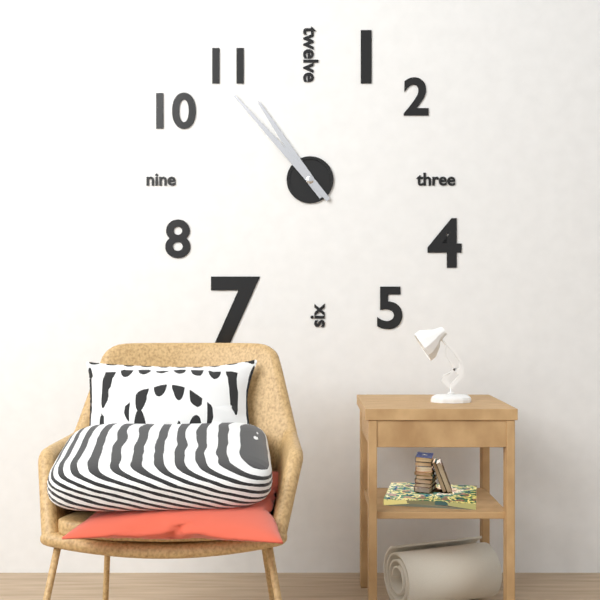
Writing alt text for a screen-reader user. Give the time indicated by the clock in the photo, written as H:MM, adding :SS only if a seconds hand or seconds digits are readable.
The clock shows 10:53
